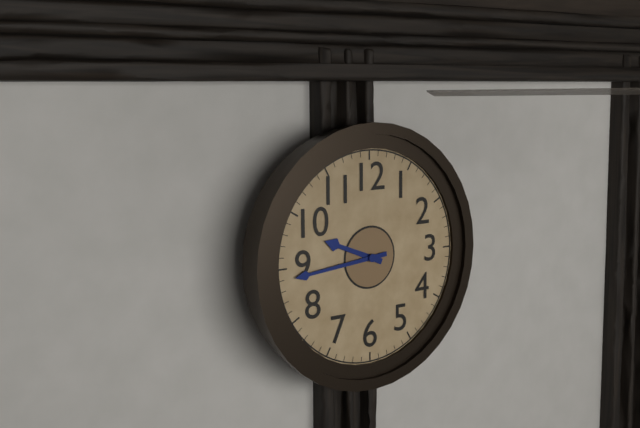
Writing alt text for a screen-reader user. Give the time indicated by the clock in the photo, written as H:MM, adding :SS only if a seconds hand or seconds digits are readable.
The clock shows 9:44
